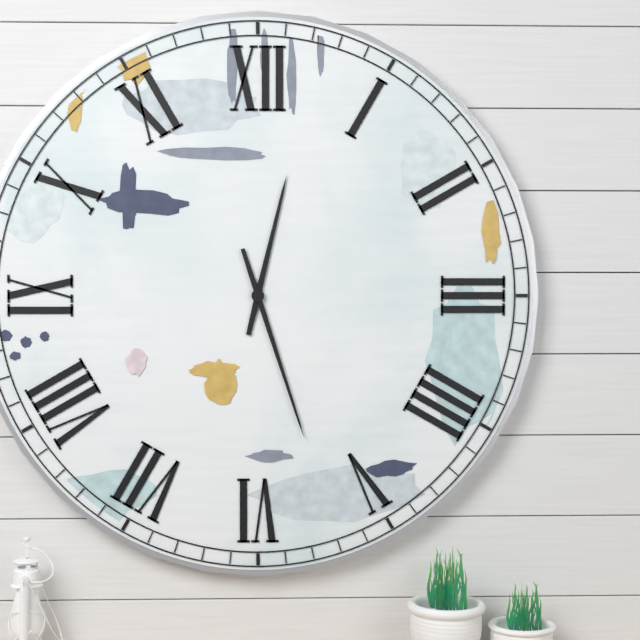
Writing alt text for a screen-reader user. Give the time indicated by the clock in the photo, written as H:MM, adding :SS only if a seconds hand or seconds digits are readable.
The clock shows 12:27
